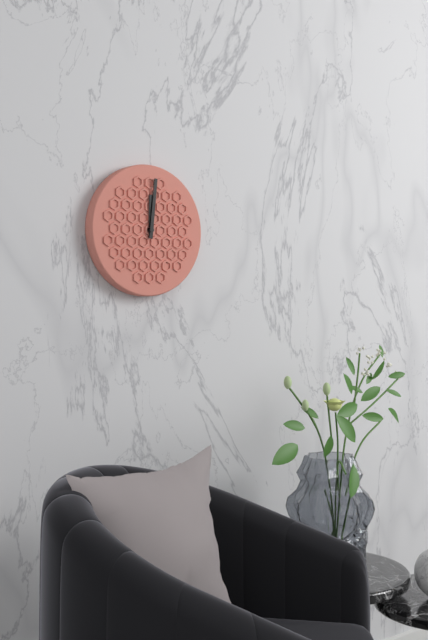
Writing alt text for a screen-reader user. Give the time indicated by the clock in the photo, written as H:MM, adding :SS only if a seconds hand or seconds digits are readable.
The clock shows 12:01
